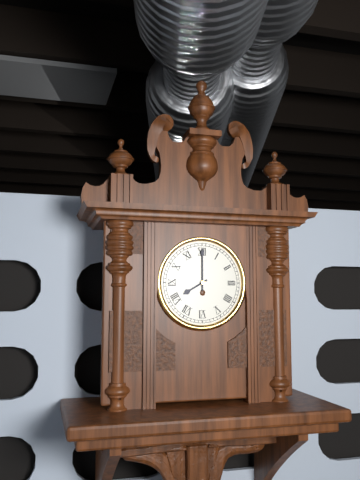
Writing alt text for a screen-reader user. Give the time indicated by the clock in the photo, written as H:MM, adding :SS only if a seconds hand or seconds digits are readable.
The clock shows 8:00
